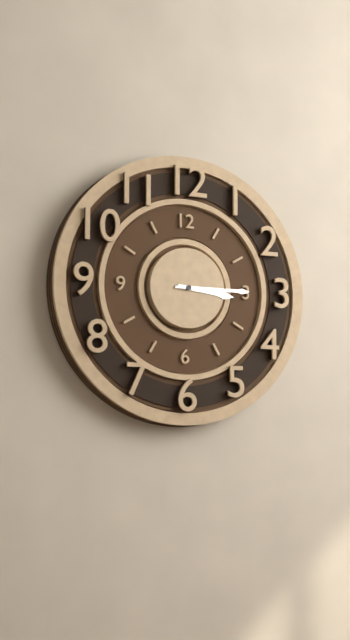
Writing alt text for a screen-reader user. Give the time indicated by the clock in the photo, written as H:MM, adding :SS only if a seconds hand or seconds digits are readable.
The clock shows 3:15
